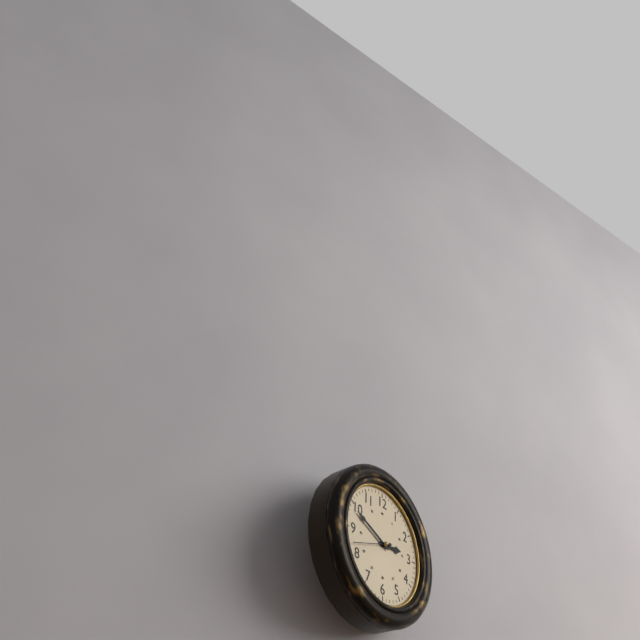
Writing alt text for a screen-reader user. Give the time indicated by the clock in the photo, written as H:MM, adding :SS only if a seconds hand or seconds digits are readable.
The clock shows 2:49
